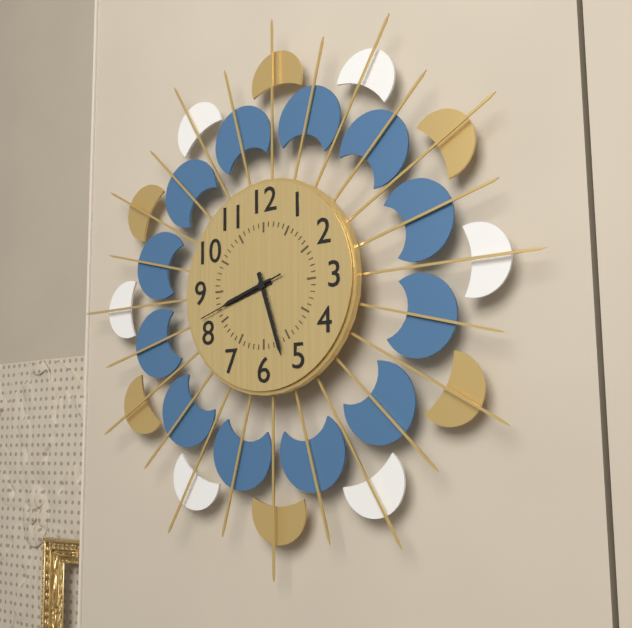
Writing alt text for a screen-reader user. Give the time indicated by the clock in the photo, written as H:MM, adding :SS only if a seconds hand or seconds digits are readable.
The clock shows 8:27:42
